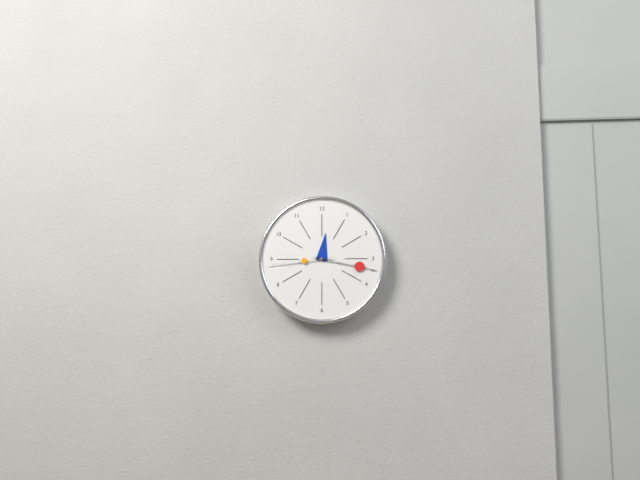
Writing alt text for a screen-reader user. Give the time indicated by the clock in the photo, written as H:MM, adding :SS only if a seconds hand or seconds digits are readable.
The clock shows 12:17:44
